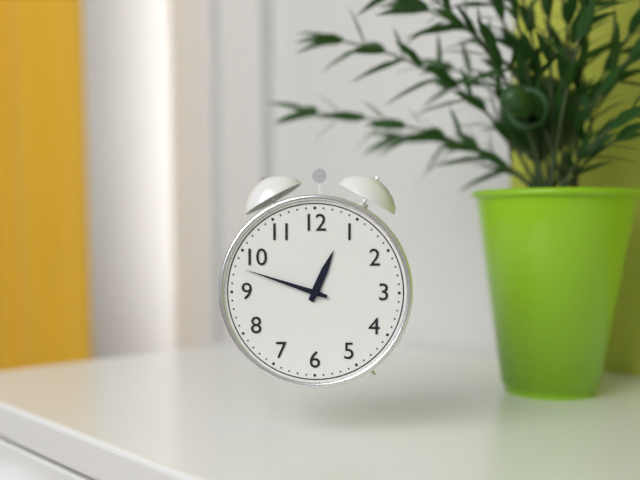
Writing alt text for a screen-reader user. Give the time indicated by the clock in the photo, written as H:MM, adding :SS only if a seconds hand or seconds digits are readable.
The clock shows 12:48
